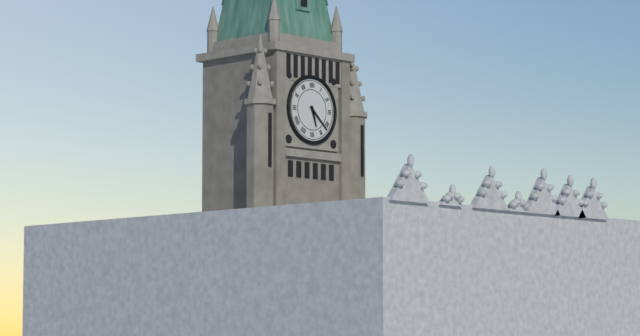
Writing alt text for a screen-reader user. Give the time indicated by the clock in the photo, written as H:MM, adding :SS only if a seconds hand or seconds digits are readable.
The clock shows 5:22
